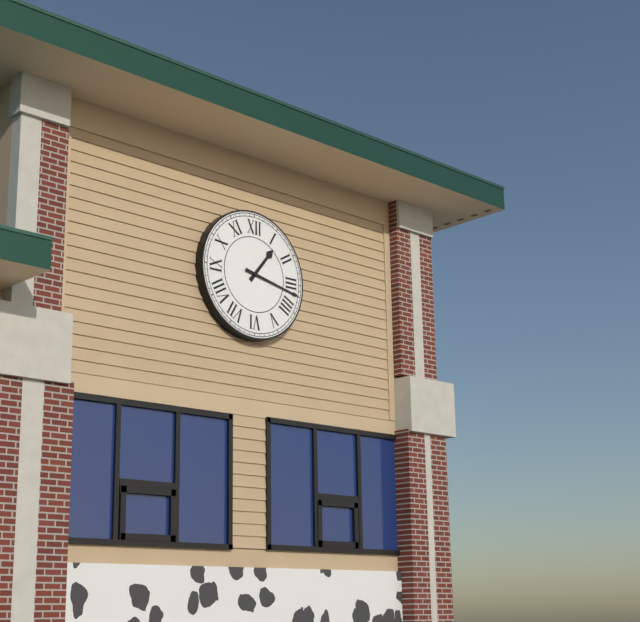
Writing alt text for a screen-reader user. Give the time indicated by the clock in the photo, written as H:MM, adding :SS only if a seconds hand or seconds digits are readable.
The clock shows 1:17
